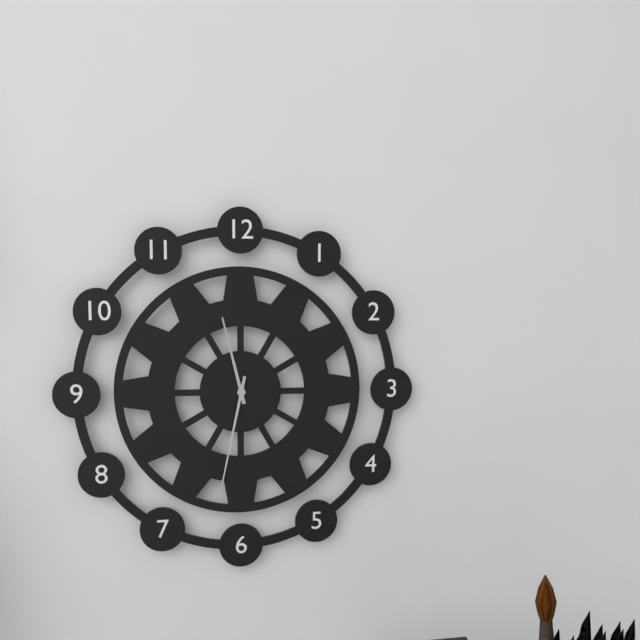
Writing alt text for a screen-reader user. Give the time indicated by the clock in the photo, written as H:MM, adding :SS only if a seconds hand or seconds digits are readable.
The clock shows 11:32
